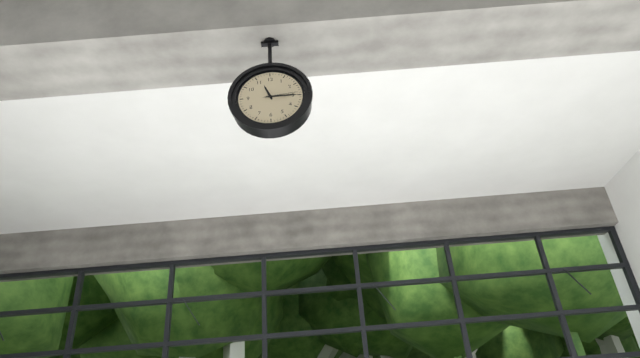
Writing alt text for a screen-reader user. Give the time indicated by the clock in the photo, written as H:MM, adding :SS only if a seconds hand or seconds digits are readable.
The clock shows 11:15
